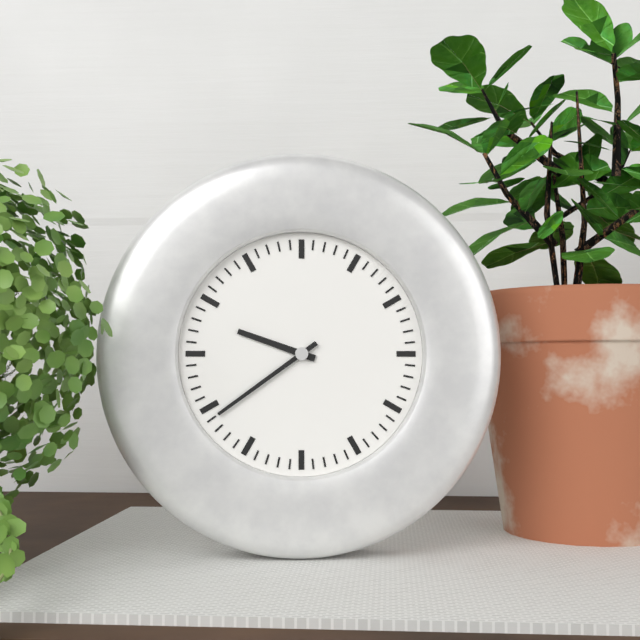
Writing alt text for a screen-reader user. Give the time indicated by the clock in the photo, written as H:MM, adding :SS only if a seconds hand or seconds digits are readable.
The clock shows 9:39
